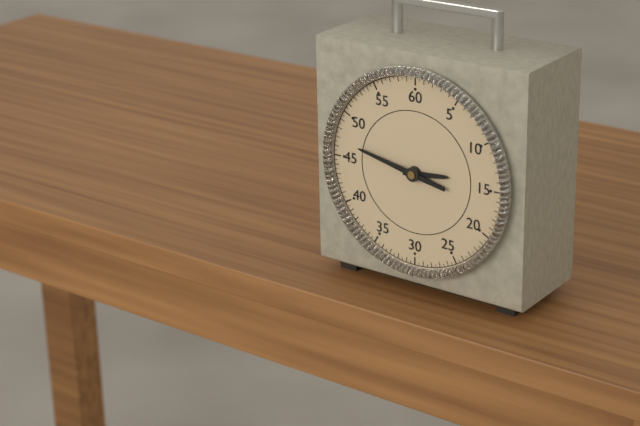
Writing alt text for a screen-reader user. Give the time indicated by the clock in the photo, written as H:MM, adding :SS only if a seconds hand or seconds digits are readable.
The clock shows 2:47
